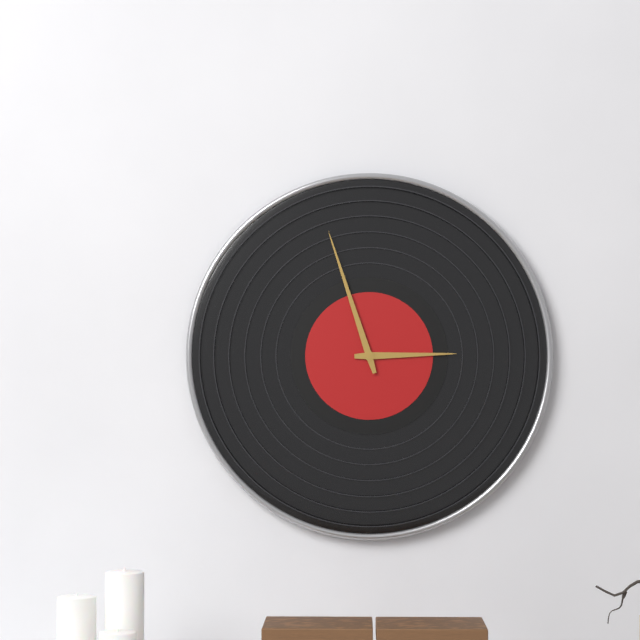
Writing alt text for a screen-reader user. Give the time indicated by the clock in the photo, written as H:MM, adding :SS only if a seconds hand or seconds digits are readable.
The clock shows 2:57
